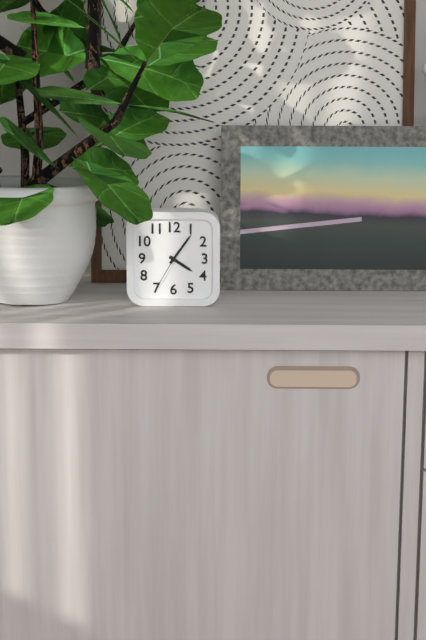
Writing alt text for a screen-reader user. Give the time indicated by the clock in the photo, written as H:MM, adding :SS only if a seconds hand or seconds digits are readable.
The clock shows 4:06
